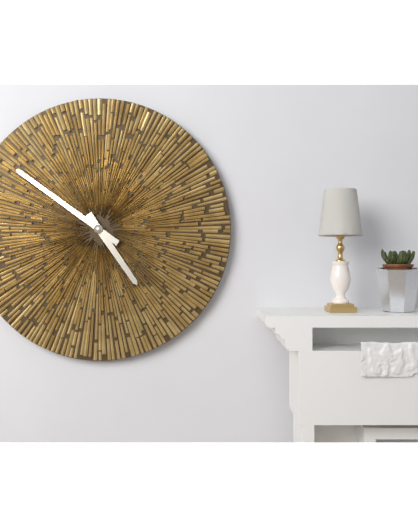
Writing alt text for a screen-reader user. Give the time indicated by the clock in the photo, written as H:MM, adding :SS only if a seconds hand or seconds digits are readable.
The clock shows 4:51
